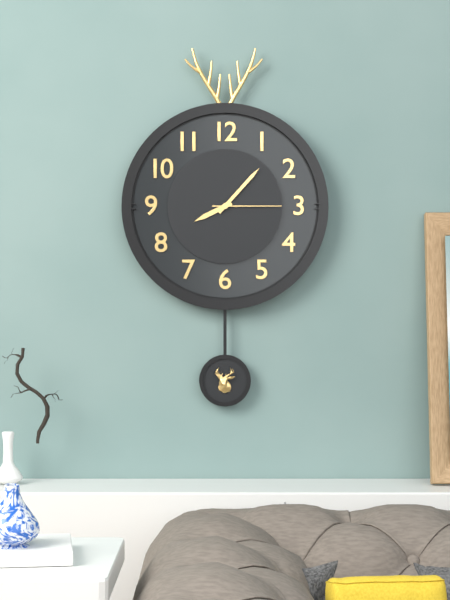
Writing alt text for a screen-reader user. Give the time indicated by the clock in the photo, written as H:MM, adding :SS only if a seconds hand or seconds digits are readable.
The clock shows 8:07:15
